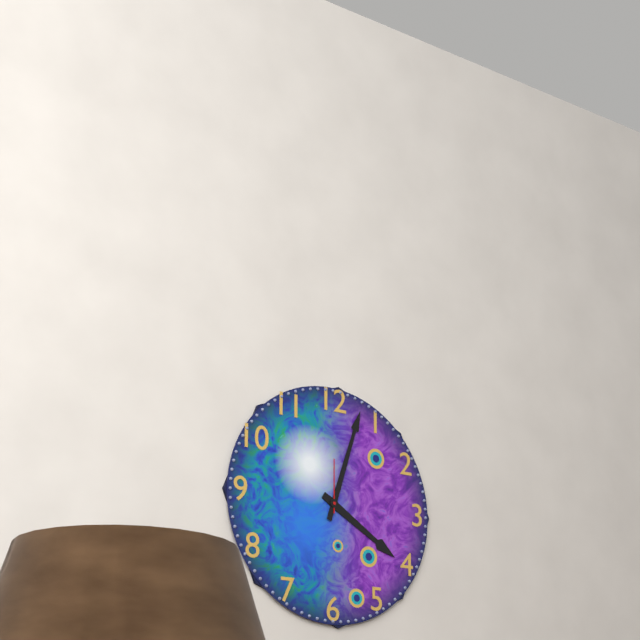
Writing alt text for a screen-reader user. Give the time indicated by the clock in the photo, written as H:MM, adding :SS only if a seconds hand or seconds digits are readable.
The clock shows 4:03:00
